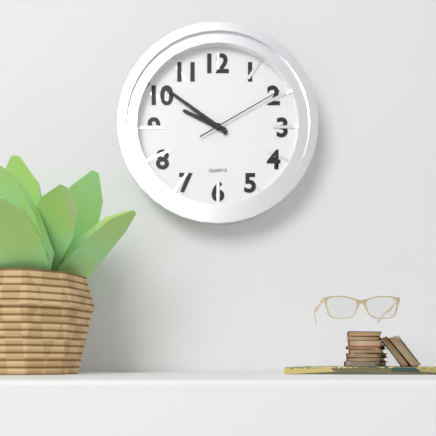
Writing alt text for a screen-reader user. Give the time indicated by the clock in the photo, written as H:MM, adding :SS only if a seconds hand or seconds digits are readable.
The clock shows 9:51:10
